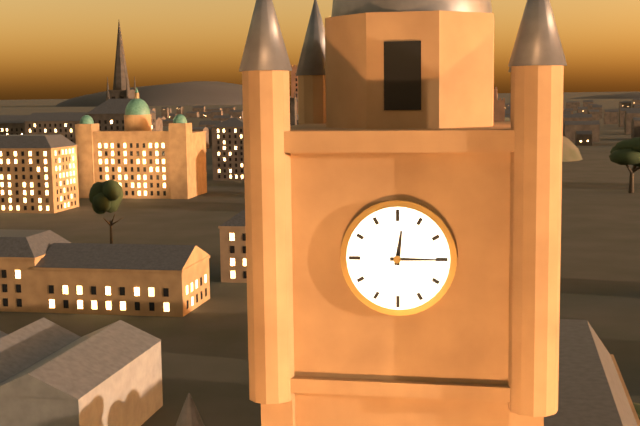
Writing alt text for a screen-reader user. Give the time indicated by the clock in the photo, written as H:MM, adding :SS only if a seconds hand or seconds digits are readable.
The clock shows 12:15
